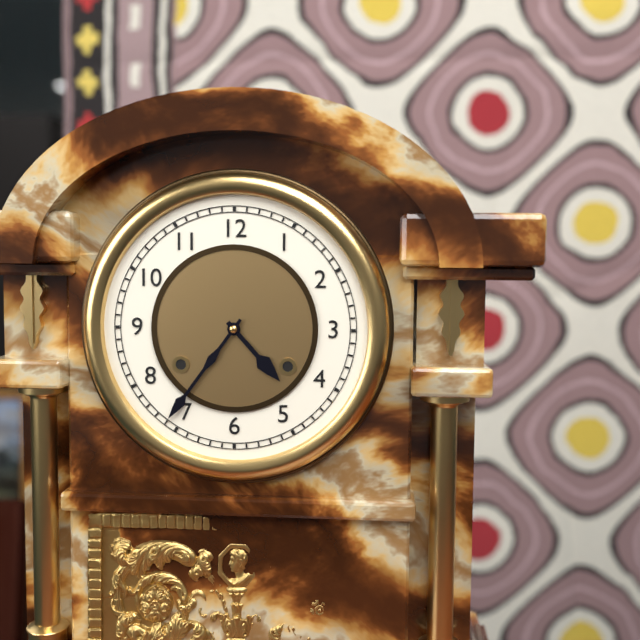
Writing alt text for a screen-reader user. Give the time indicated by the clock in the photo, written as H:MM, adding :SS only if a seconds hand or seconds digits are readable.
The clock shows 4:36
